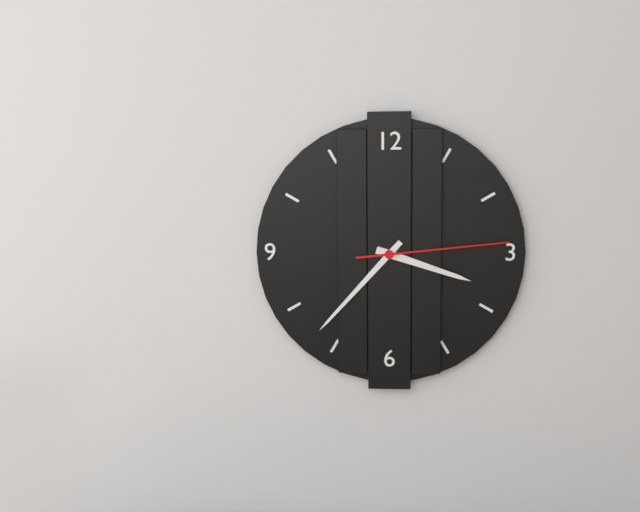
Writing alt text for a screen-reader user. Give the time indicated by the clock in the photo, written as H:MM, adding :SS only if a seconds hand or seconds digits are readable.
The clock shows 3:37:14
